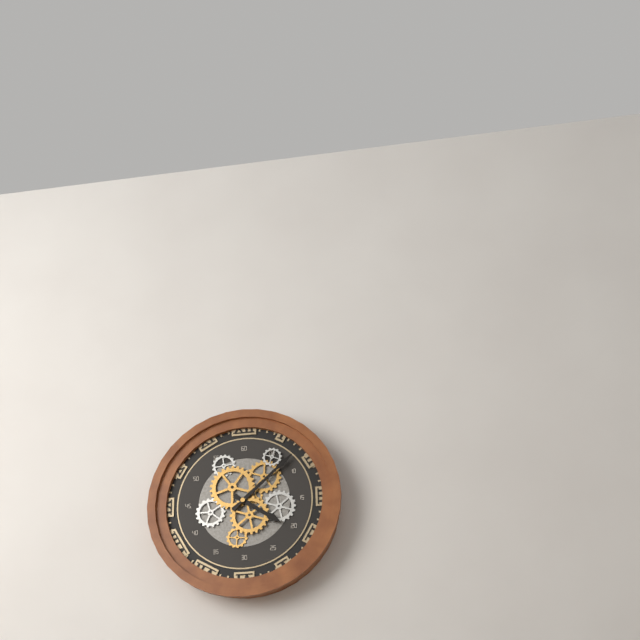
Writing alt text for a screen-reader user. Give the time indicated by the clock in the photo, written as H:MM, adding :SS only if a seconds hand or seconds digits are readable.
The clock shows 4:08
